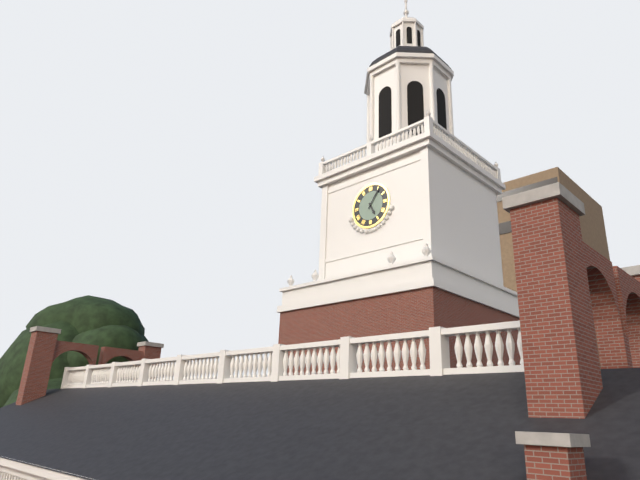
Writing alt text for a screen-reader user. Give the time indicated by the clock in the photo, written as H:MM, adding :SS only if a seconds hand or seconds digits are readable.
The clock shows 5:06
